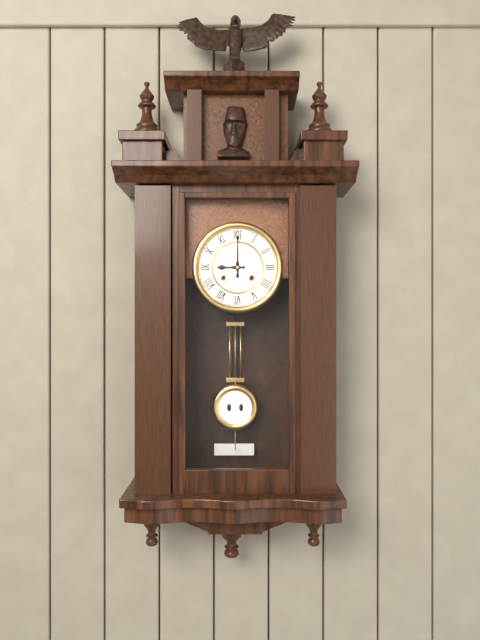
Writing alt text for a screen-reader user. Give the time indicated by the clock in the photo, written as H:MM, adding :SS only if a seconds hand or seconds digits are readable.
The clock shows 9:00
